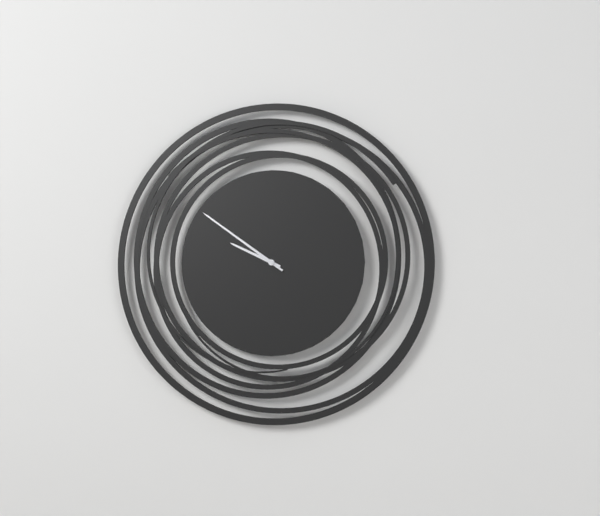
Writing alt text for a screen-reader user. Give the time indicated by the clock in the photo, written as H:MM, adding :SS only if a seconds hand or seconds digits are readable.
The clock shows 9:51
